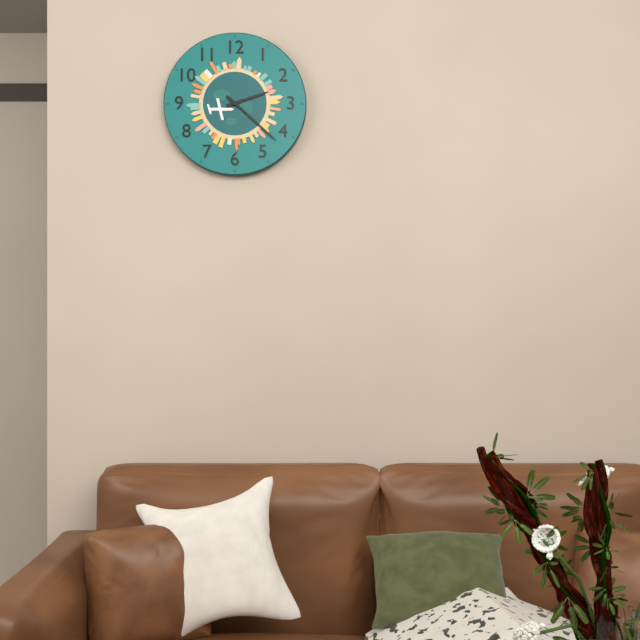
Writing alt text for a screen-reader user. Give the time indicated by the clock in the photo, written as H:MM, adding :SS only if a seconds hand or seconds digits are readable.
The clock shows 2:22
